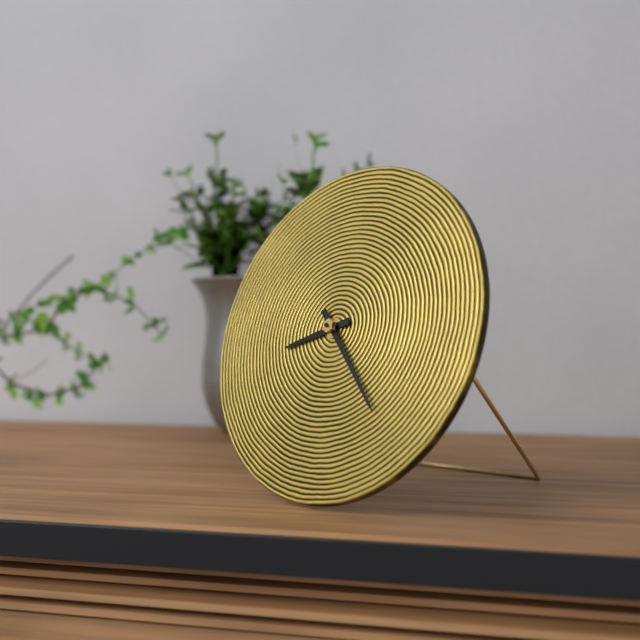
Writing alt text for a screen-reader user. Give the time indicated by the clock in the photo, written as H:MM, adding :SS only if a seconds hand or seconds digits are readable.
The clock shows 8:23
